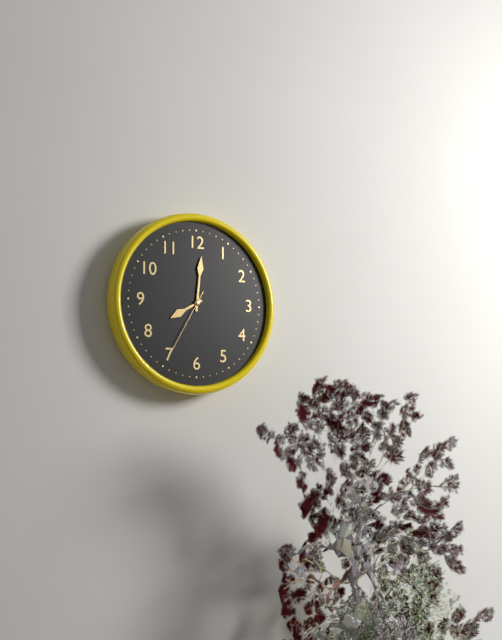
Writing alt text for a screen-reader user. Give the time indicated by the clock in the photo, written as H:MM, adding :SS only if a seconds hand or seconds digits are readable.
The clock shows 8:01:35
